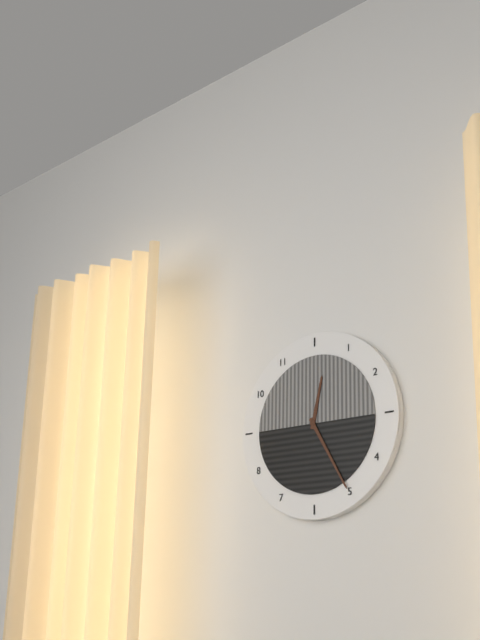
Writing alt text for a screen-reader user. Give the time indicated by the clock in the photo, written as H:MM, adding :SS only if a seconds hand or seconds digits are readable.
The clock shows 12:25
